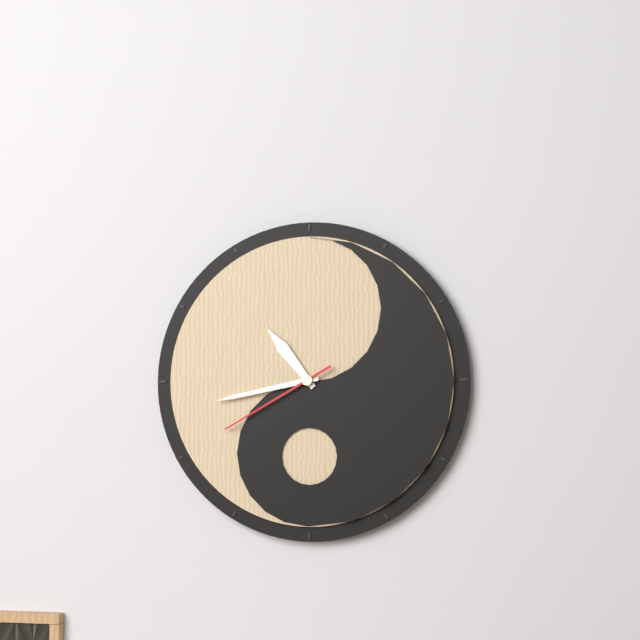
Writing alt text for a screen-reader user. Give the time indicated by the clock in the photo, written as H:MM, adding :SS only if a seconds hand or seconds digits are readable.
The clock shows 10:43:40
